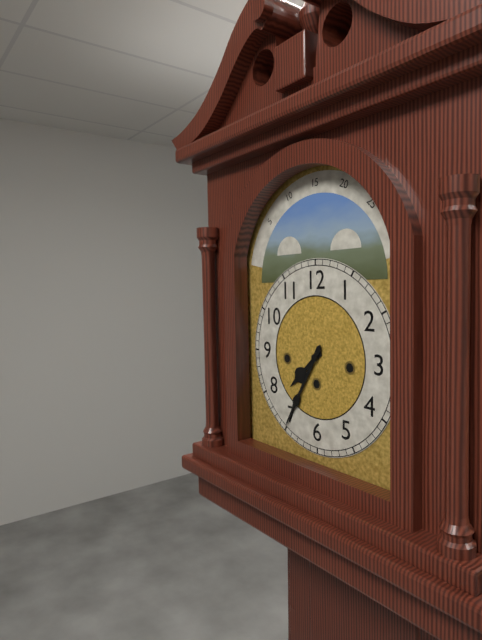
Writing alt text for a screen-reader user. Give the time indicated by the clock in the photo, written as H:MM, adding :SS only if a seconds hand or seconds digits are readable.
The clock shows 7:35
